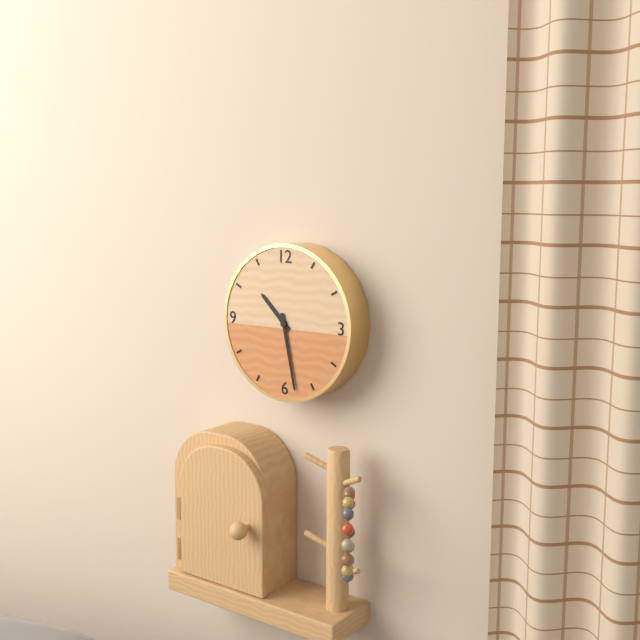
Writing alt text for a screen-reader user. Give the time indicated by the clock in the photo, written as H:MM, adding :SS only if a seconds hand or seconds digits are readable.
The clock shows 10:28
